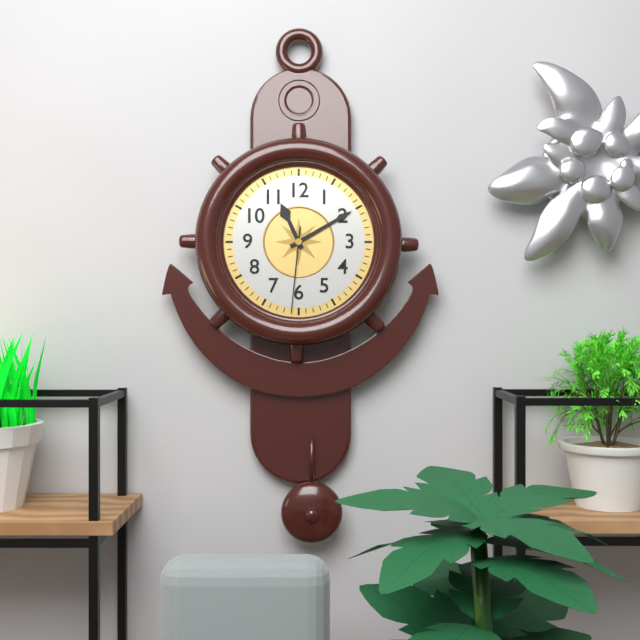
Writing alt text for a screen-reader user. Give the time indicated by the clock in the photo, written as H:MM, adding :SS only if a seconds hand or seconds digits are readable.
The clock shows 11:10:31
